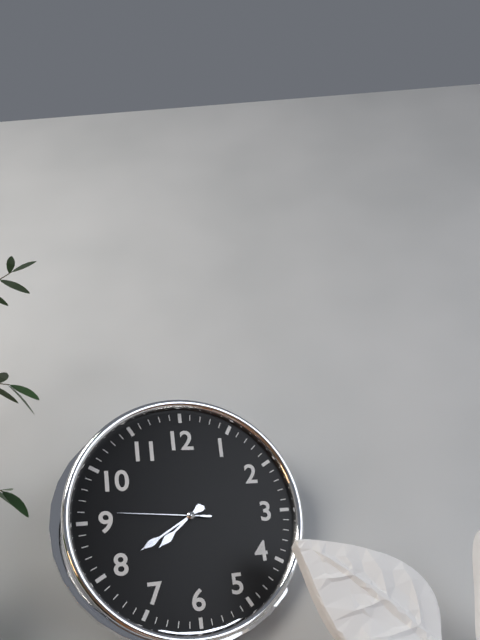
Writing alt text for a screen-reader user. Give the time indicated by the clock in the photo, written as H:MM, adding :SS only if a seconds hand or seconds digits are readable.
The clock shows 7:40:46
